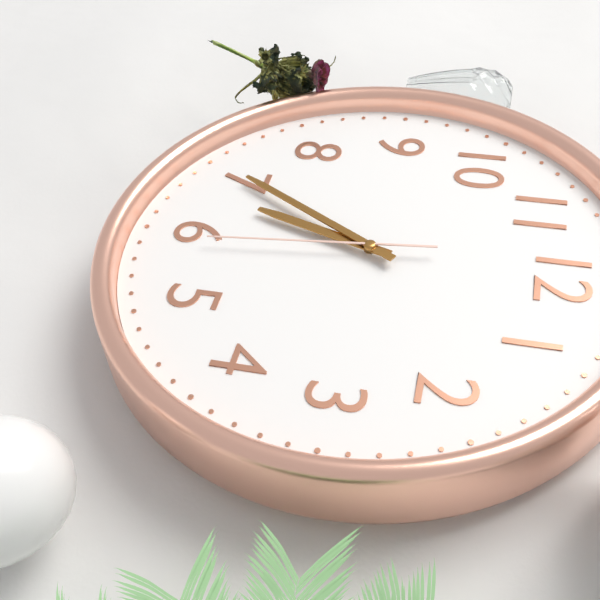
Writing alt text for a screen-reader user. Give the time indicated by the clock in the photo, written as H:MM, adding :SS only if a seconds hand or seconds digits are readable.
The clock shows 6:35:29
